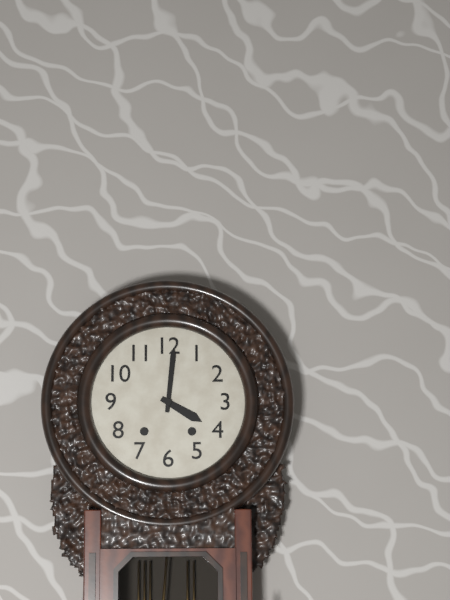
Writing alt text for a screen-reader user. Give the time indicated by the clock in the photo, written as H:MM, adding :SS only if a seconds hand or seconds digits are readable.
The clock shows 4:01
